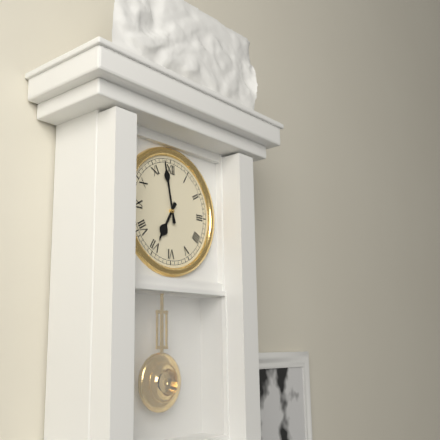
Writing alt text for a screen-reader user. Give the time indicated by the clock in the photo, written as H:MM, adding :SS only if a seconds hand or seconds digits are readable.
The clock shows 6:58
